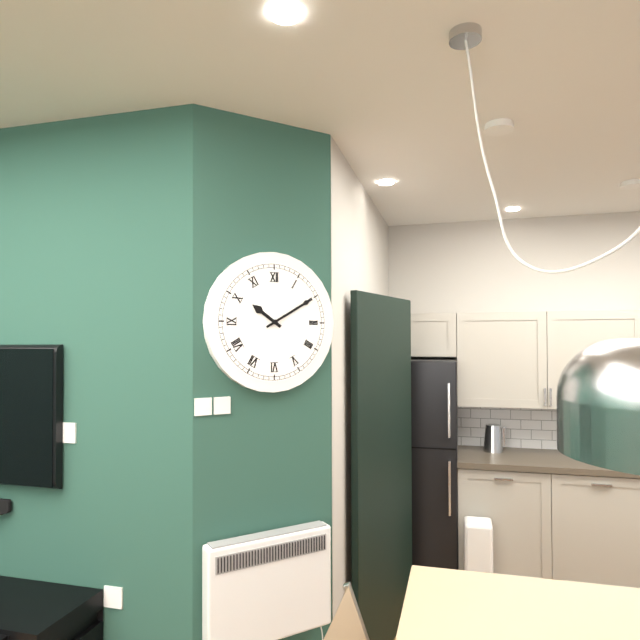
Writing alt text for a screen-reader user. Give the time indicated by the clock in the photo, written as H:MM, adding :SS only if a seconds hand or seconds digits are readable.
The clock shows 10:10
